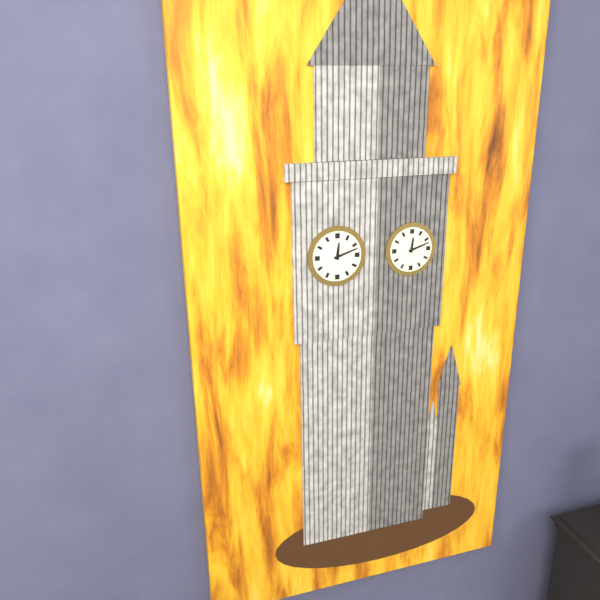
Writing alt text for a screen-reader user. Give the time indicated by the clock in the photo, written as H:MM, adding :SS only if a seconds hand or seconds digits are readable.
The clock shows 12:12
